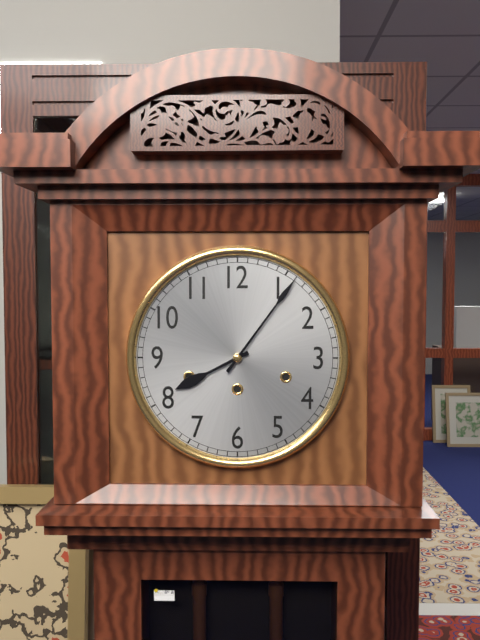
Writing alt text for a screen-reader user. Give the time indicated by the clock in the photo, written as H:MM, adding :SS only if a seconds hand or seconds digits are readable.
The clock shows 8:06
